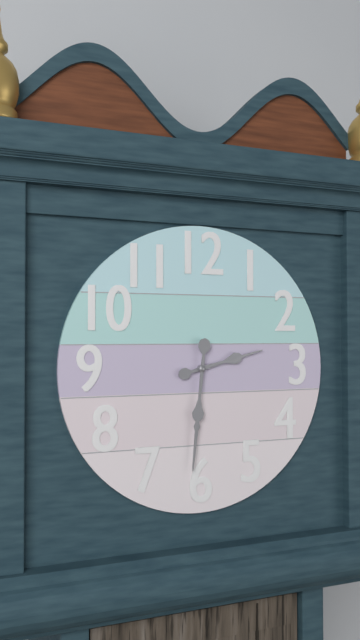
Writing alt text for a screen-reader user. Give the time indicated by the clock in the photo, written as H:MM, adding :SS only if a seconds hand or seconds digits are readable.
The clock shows 2:31
